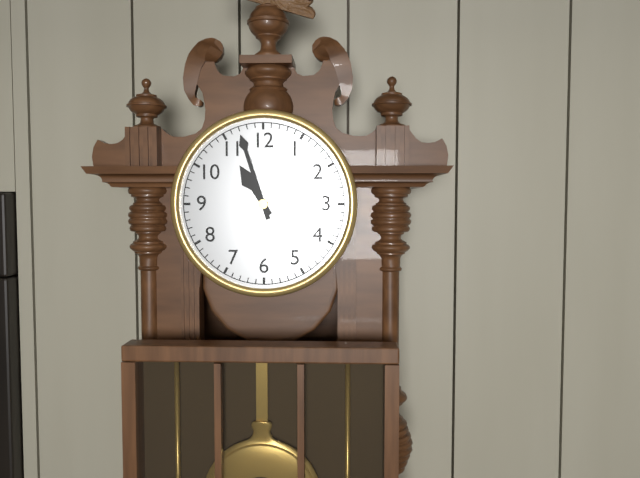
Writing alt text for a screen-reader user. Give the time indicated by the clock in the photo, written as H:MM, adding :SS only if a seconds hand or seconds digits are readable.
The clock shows 10:57
